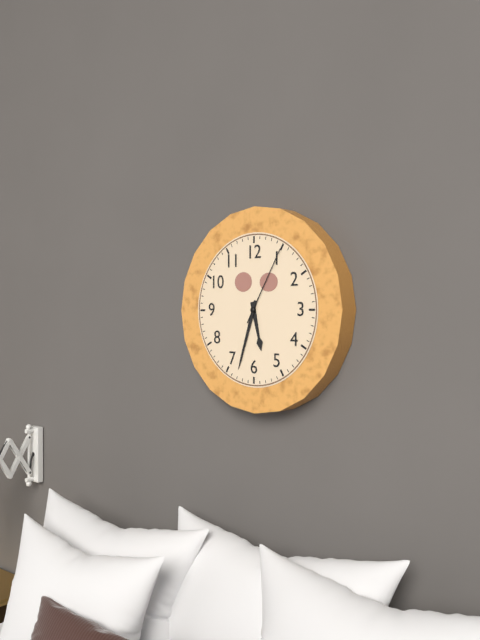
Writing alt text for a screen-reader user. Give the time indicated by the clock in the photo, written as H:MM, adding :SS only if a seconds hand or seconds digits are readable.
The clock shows 5:33:05
